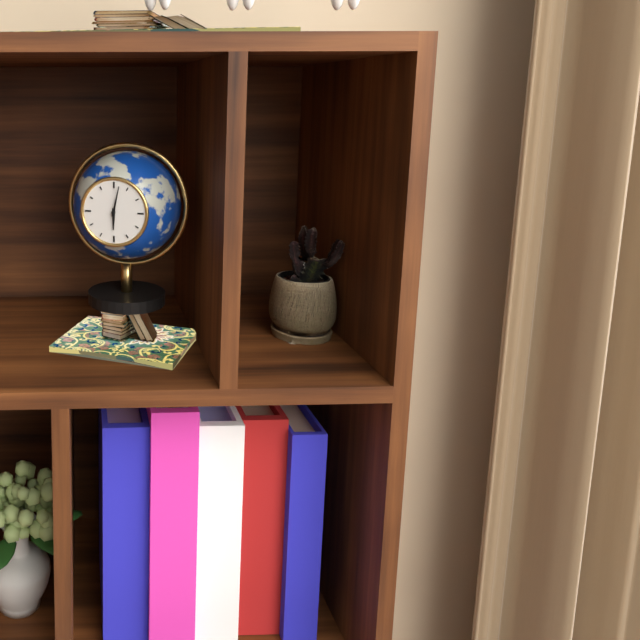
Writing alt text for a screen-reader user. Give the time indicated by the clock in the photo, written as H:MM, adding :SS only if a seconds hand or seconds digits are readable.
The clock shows 6:02
